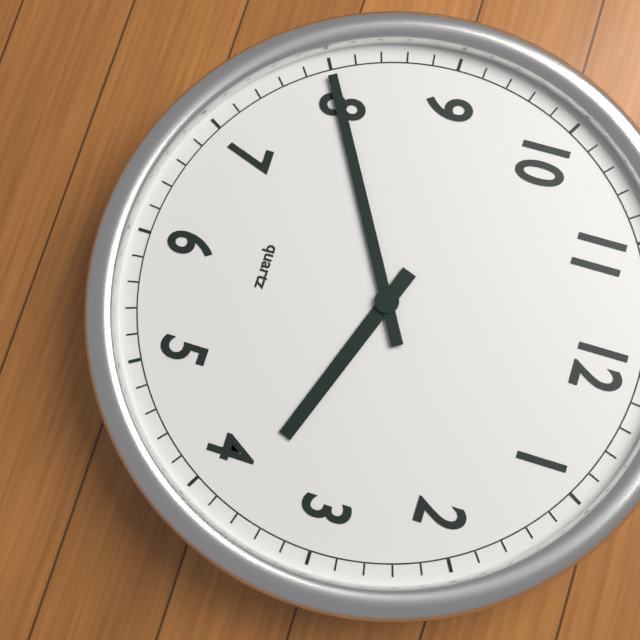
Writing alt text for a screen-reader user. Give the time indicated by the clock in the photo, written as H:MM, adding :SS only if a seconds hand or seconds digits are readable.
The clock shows 3:40
